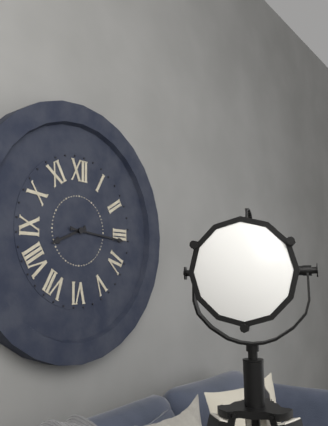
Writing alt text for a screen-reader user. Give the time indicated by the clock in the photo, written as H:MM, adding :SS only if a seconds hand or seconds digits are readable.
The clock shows 8:16
